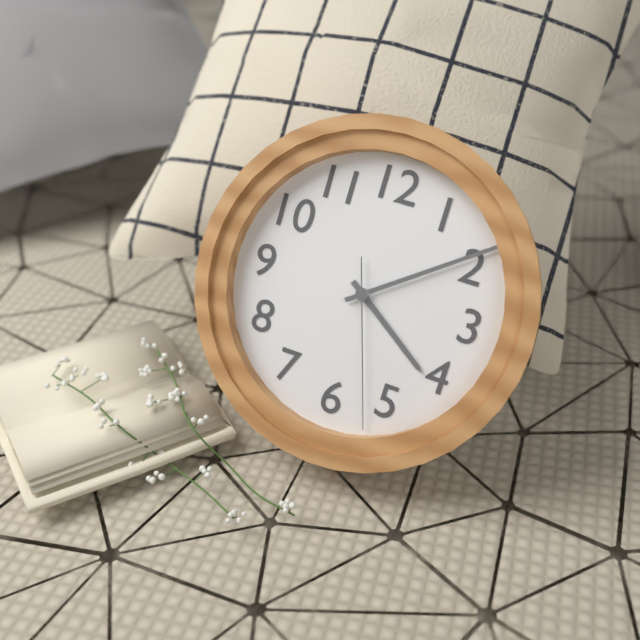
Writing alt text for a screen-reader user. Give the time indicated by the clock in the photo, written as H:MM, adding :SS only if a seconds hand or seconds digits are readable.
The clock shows 4:09:27
